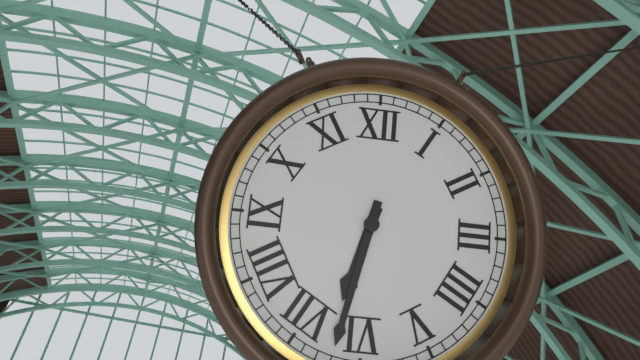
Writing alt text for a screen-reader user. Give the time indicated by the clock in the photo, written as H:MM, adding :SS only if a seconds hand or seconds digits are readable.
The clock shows 6:32
